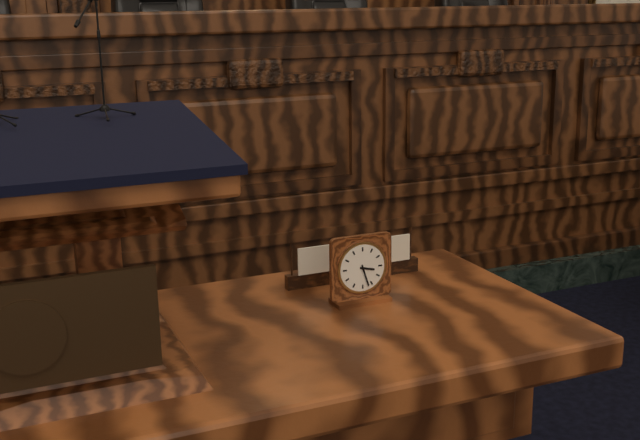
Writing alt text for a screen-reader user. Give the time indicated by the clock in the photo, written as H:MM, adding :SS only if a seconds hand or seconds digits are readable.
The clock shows 3:27
